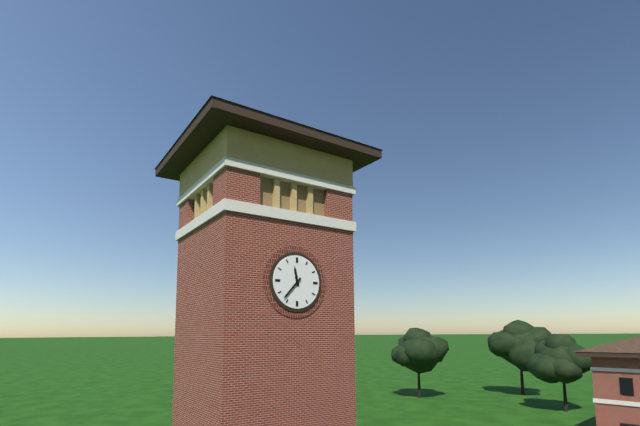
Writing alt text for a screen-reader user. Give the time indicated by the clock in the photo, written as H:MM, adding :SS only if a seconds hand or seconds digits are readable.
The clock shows 11:37
